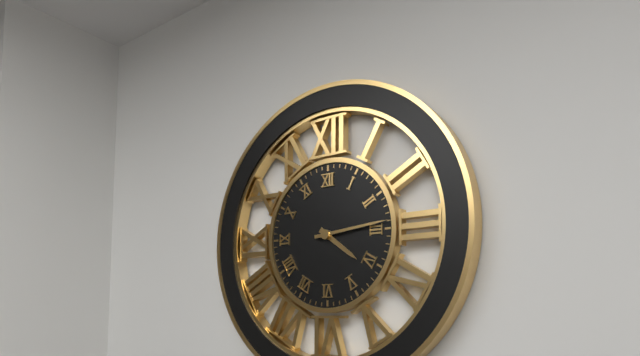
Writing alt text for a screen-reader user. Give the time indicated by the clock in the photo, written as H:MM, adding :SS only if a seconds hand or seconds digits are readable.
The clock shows 4:14
